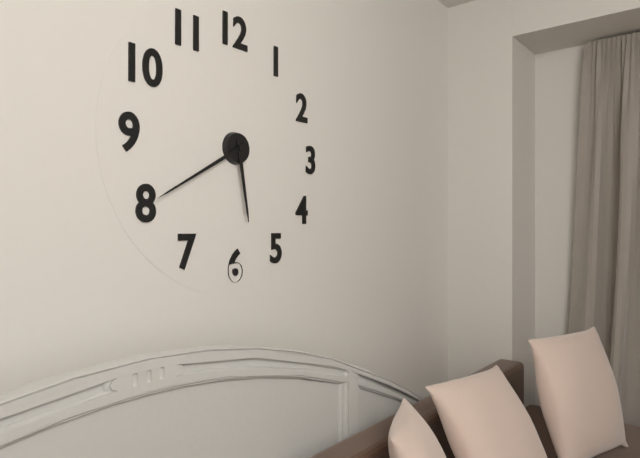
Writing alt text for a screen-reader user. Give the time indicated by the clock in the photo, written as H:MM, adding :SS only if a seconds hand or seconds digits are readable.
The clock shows 5:40
